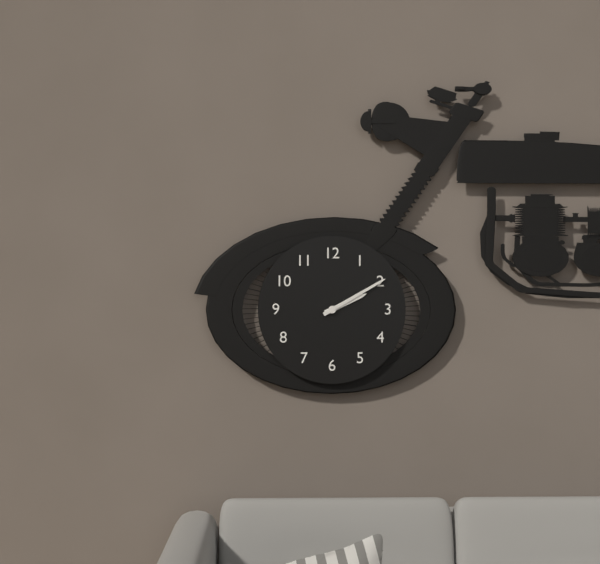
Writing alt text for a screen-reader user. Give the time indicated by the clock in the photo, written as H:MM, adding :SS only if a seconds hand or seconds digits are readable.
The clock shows 2:10
